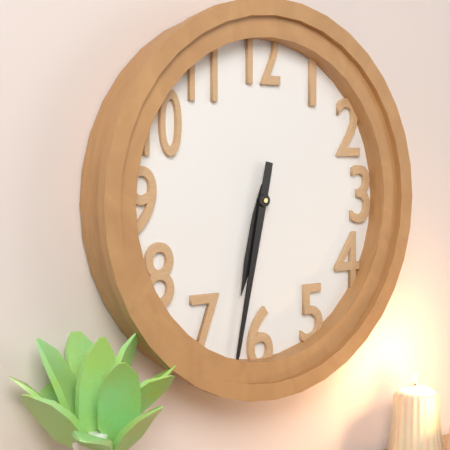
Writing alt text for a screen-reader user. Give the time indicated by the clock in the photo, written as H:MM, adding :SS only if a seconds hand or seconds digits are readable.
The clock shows 6:32
